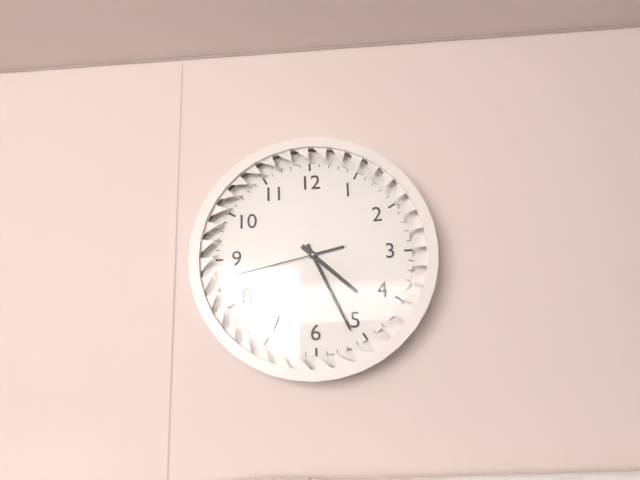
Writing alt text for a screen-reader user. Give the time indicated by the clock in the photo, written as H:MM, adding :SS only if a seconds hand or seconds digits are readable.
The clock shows 4:26:43
